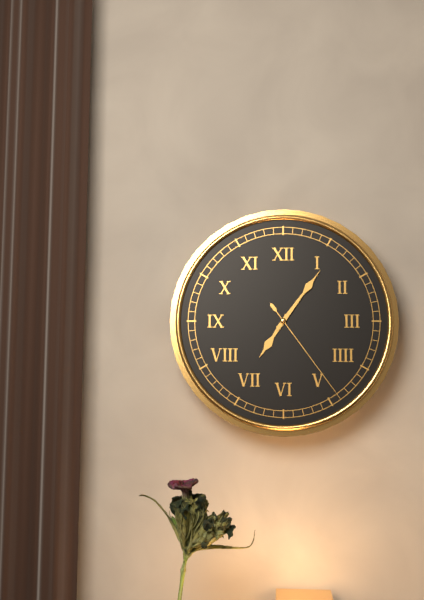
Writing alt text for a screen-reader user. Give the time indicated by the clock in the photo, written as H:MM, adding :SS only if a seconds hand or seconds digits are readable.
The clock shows 7:06:24
